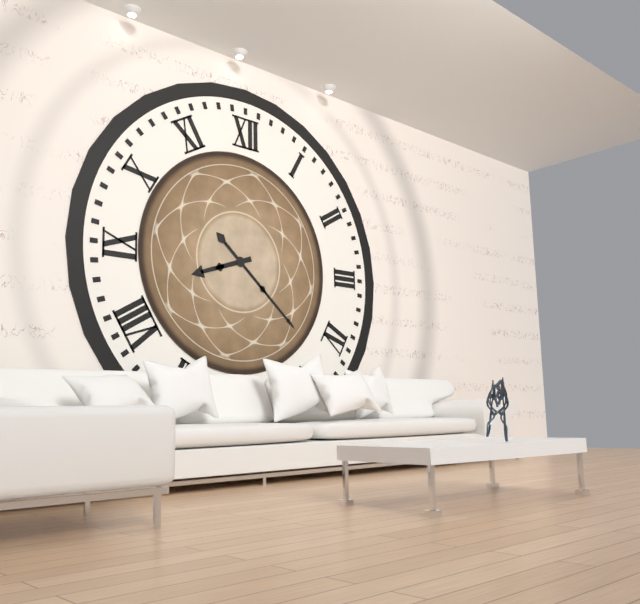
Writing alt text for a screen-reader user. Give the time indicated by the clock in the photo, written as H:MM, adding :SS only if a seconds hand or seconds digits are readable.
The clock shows 8:22
